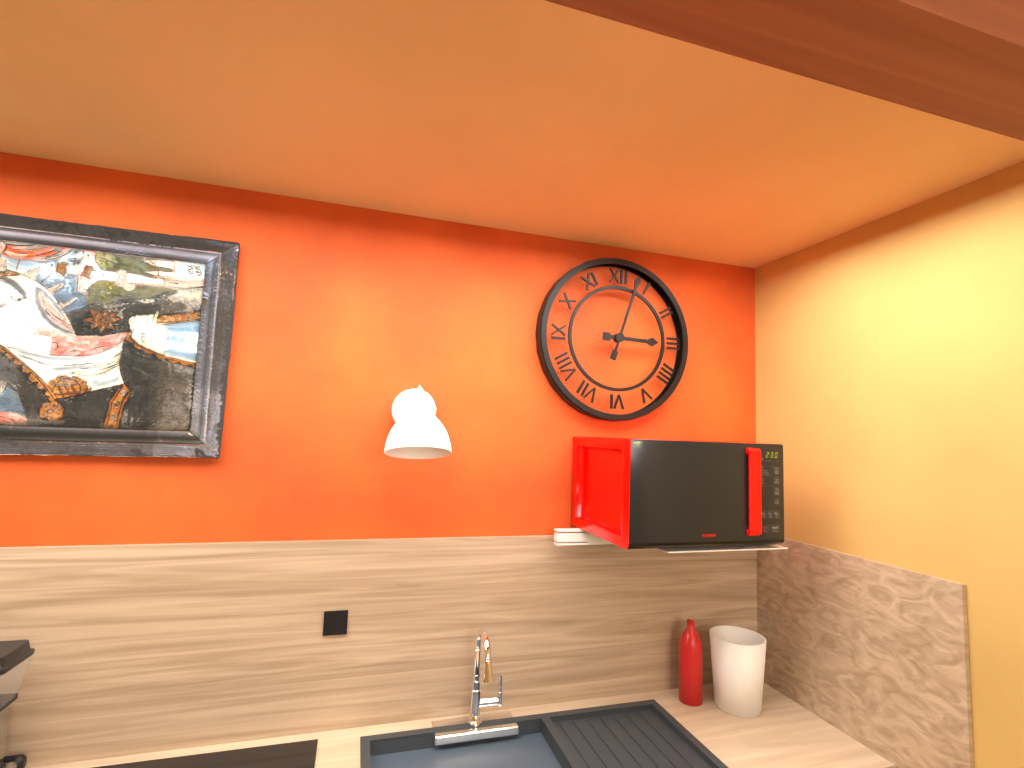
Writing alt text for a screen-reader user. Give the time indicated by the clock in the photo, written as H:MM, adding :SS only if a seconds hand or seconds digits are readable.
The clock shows 3:03
